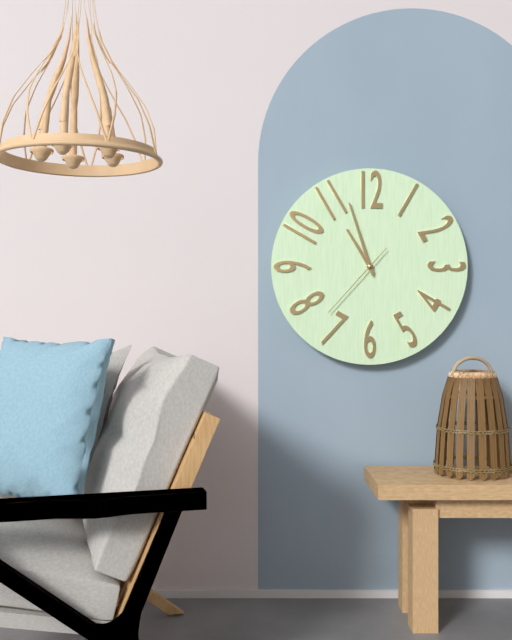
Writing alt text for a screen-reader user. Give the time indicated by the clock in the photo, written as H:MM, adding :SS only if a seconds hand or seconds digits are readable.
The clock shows 10:57:37
